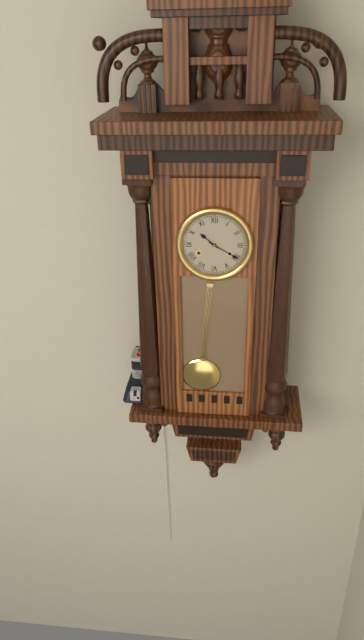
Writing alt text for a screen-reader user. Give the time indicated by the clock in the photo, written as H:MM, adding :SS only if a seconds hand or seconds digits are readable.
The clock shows 10:20
